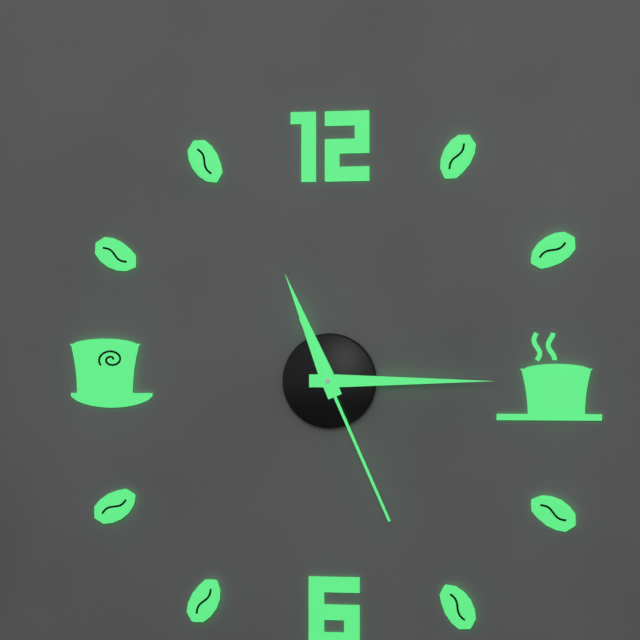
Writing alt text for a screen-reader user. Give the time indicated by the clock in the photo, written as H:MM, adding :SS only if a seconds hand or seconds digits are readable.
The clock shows 11:15:26
